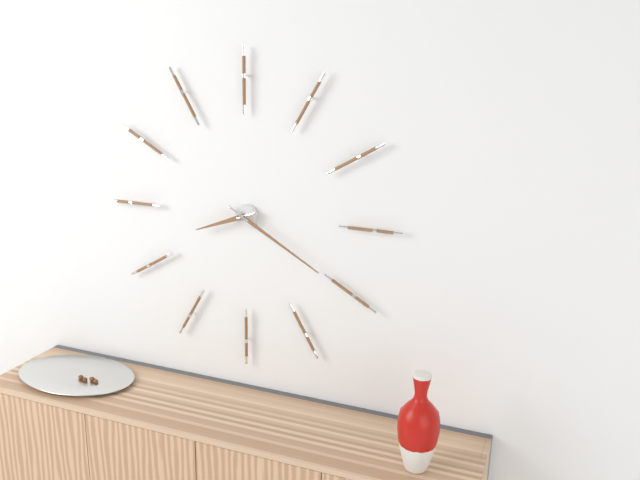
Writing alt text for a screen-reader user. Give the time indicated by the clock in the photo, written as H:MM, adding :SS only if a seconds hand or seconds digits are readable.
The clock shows 8:20
